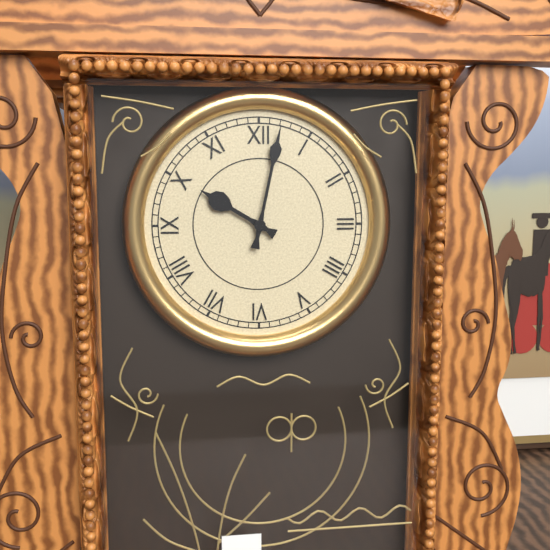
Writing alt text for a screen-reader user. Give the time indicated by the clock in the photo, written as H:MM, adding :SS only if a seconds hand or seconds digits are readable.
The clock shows 10:02
